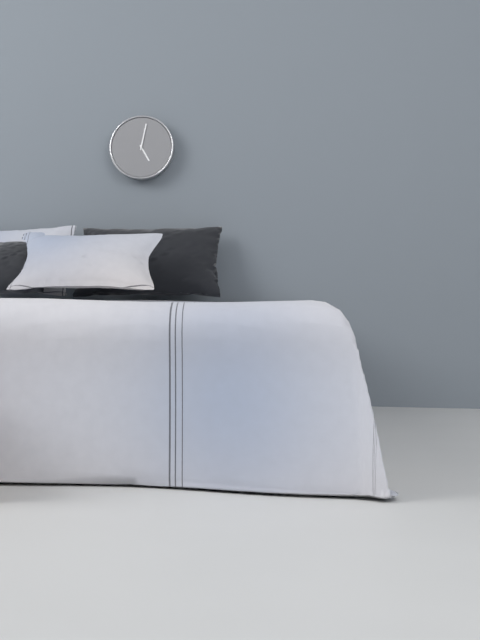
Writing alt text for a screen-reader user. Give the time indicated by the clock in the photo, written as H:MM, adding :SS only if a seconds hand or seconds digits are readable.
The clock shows 5:02
